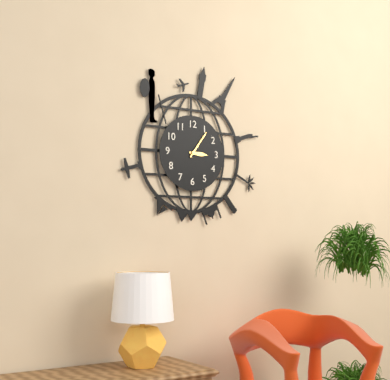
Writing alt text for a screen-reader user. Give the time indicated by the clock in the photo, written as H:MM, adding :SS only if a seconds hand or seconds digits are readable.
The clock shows 3:06
